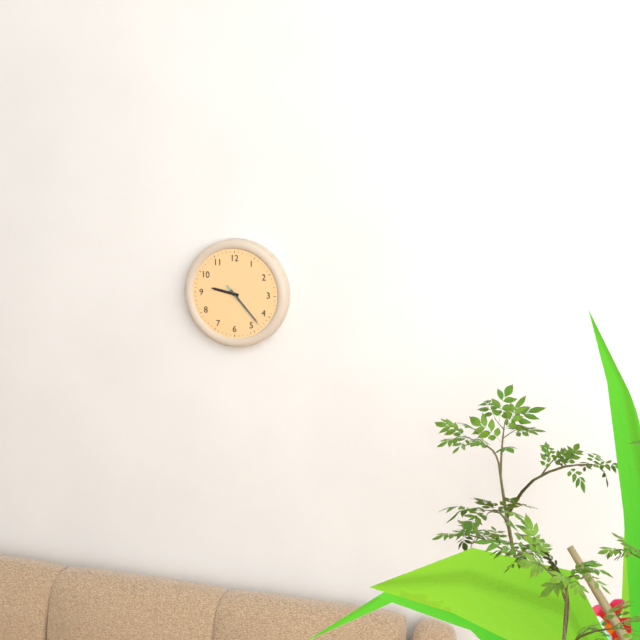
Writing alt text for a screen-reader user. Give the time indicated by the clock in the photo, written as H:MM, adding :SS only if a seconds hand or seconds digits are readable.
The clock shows 9:23
